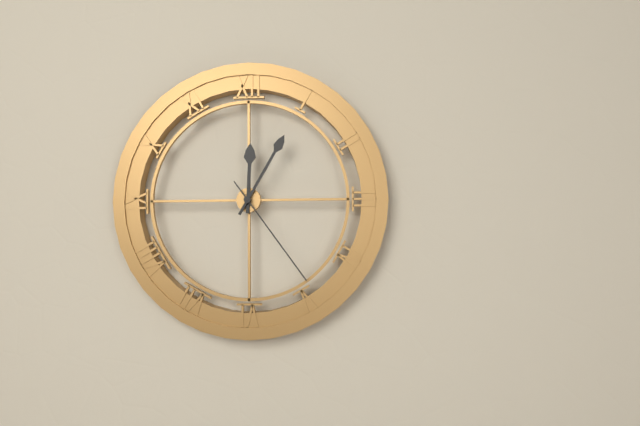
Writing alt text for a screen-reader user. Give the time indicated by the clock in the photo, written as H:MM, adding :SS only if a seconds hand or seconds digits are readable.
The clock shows 12:05:24
